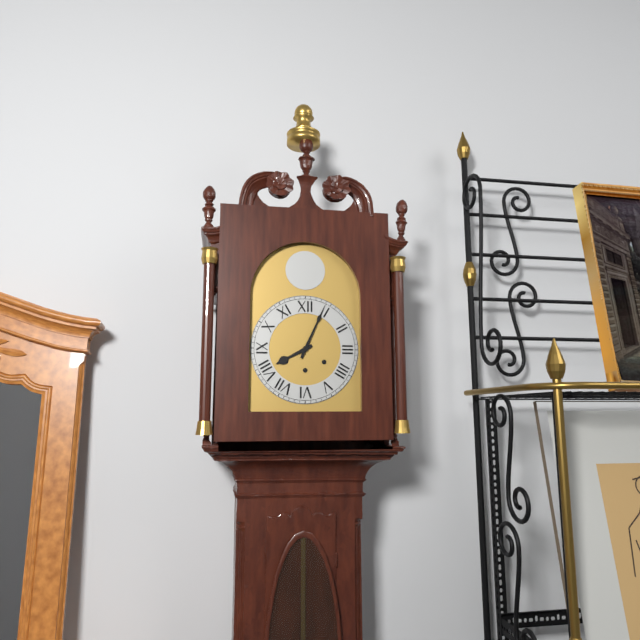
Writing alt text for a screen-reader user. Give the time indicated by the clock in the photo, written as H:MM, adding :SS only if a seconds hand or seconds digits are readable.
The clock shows 8:04
